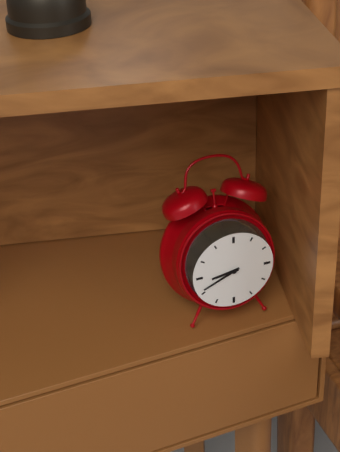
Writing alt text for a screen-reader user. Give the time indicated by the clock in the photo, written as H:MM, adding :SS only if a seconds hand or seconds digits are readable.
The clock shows 8:41
